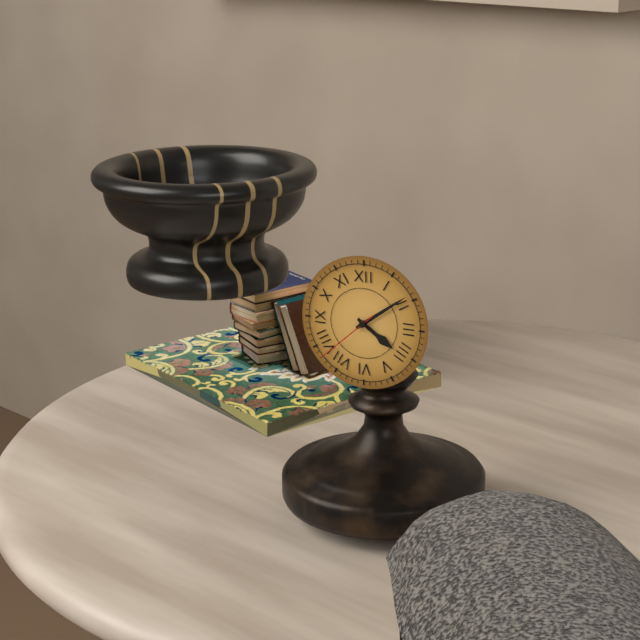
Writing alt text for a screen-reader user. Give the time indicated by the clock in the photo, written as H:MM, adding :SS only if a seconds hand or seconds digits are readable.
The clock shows 4:09:38
